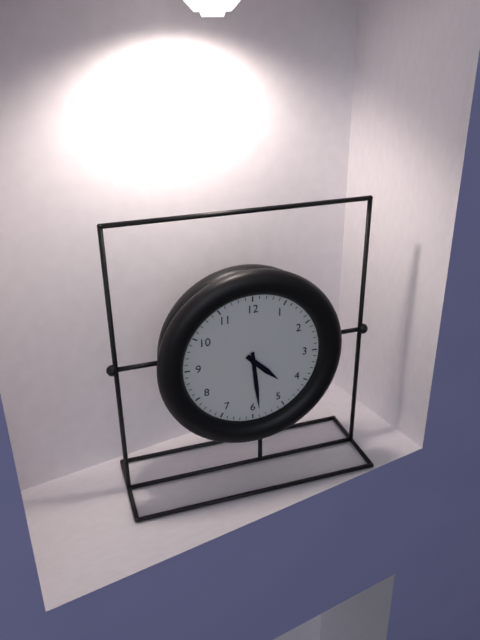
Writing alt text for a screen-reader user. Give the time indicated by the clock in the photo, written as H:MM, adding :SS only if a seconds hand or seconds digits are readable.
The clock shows 4:29
